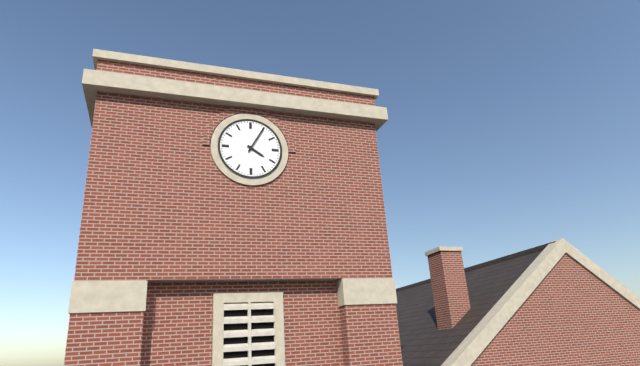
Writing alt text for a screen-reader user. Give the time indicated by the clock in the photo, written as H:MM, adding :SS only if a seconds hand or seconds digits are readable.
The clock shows 4:05
